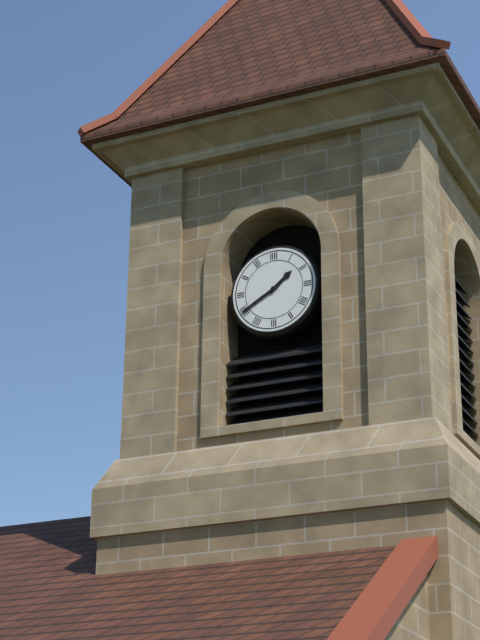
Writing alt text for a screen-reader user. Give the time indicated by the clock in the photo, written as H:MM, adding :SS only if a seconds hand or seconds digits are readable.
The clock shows 1:40
